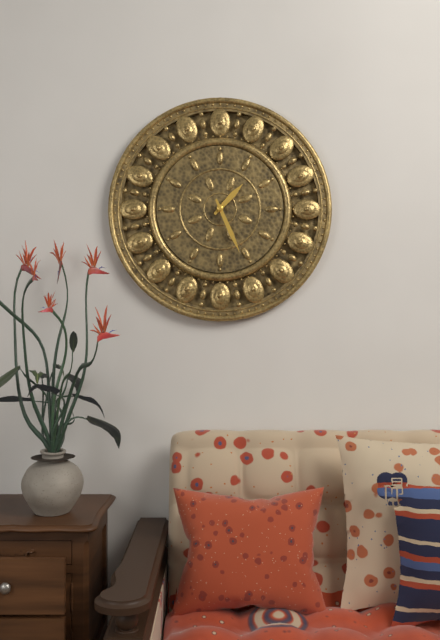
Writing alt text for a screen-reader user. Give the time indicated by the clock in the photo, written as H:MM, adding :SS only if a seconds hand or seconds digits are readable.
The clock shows 1:26
